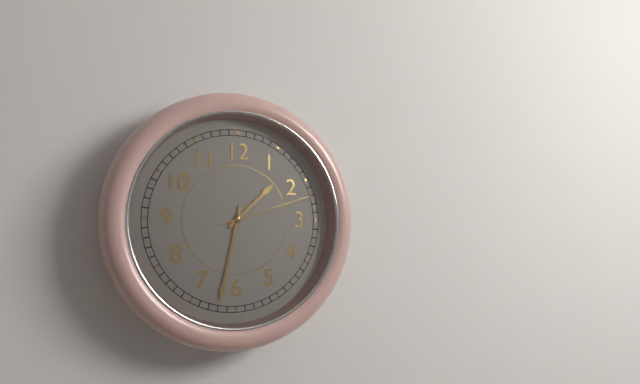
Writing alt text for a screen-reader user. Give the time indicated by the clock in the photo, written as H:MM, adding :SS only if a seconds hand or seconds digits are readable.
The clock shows 1:32:12
